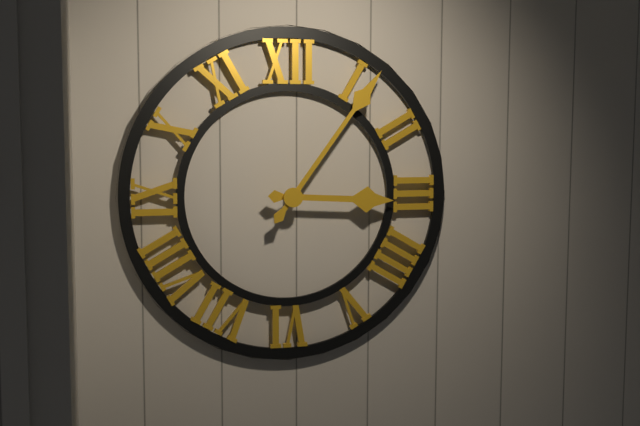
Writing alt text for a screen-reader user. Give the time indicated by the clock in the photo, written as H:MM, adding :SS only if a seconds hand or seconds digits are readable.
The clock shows 3:06
